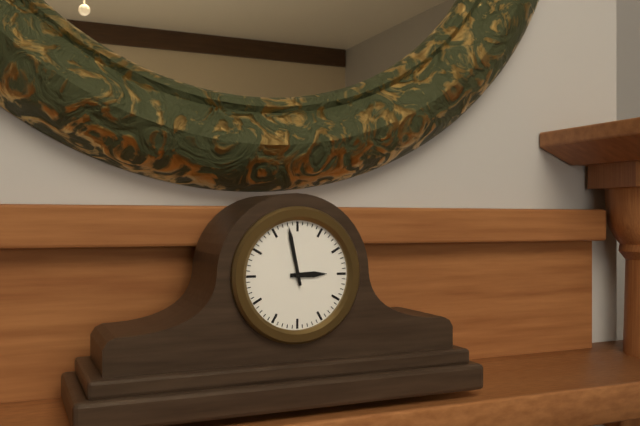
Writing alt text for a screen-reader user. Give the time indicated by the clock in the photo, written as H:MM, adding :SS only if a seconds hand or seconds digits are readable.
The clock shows 2:58
